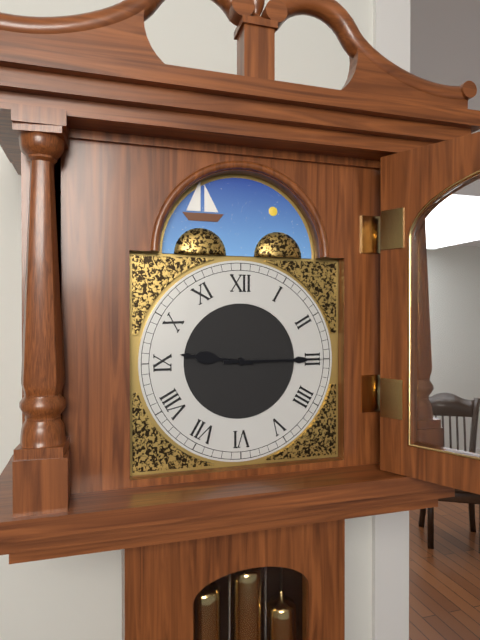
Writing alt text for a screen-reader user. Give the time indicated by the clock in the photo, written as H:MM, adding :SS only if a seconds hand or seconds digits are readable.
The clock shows 9:15
